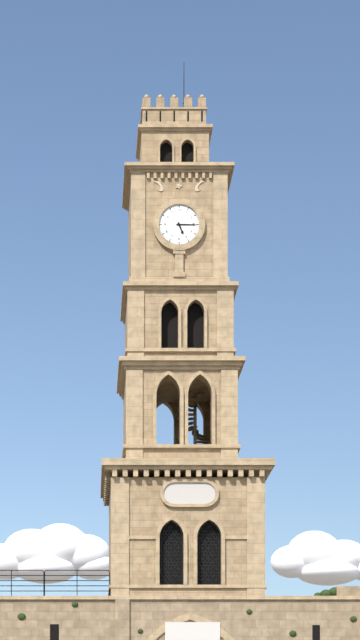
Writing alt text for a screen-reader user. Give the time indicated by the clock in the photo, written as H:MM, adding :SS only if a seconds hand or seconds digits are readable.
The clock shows 5:15
